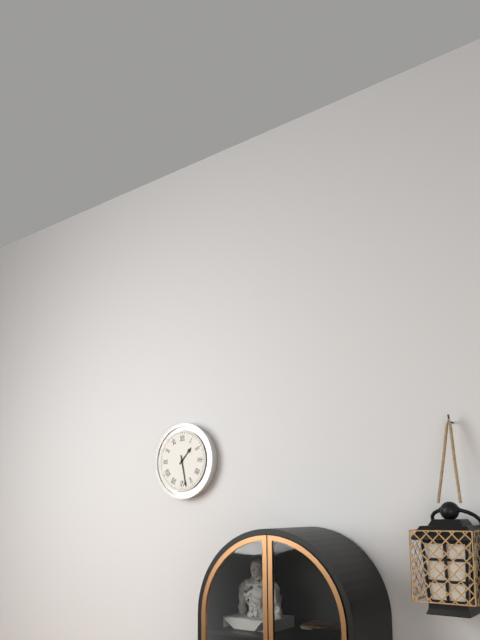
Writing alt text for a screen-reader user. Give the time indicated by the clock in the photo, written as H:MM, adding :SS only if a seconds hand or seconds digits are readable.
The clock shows 1:28
